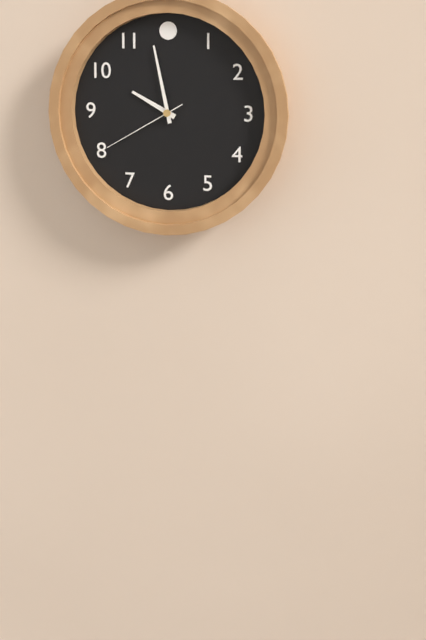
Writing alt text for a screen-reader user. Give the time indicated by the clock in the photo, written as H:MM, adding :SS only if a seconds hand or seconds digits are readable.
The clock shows 9:58:40
